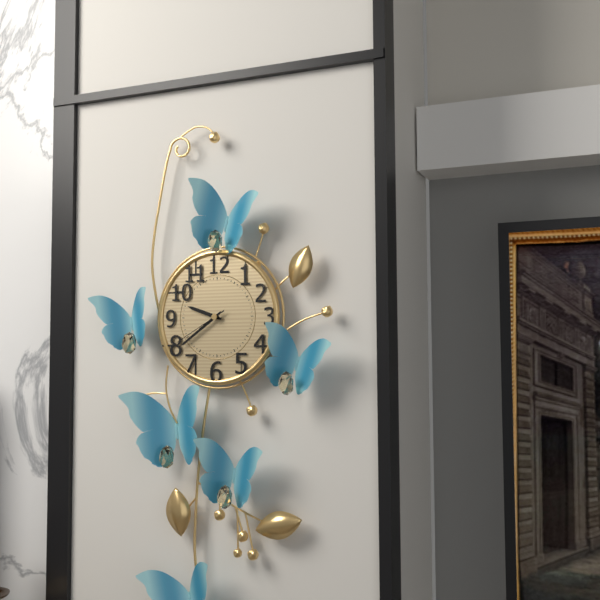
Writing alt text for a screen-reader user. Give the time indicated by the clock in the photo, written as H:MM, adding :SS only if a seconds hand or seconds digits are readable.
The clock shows 9:39:40
